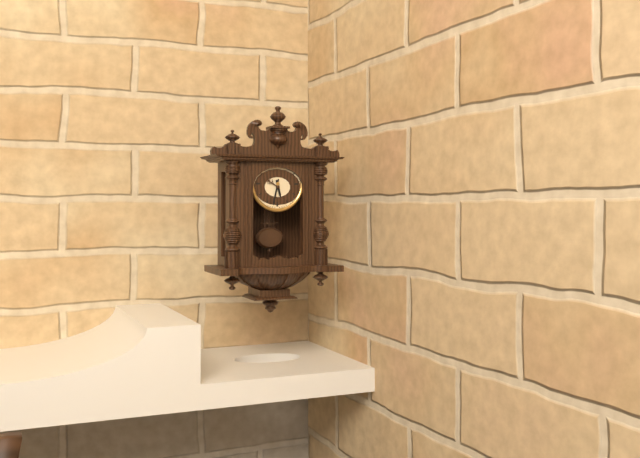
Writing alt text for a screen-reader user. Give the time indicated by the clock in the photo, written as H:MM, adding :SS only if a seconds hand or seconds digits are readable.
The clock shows 5:32
